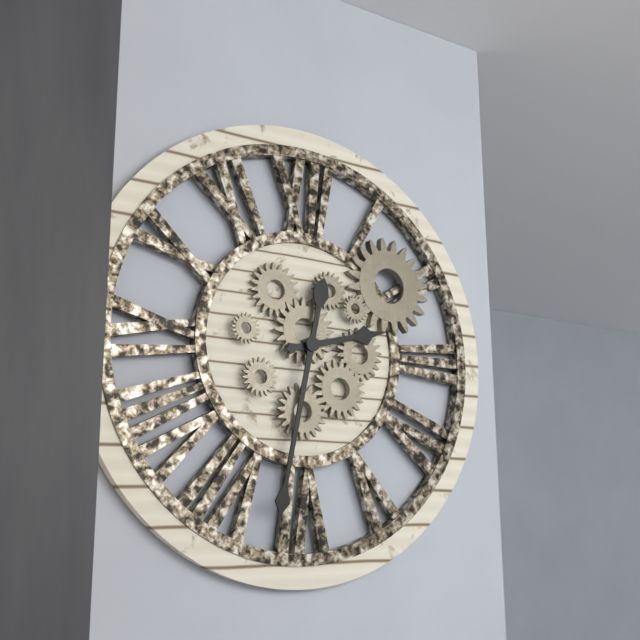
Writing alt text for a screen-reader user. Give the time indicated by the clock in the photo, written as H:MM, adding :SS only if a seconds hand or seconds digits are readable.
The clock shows 2:32
